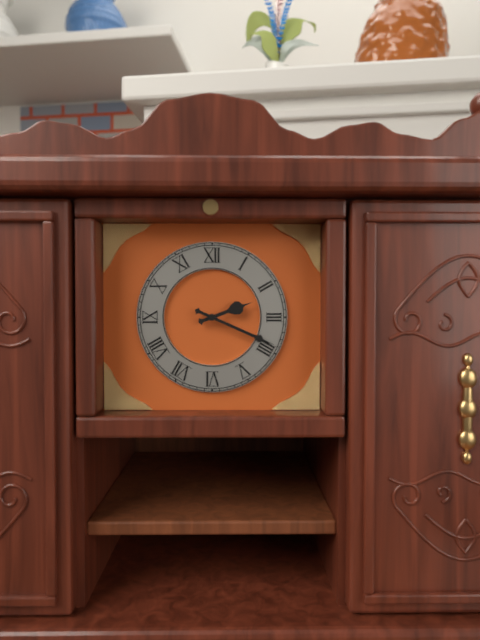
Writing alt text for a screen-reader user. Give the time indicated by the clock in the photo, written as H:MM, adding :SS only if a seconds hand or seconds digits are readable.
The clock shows 2:19
